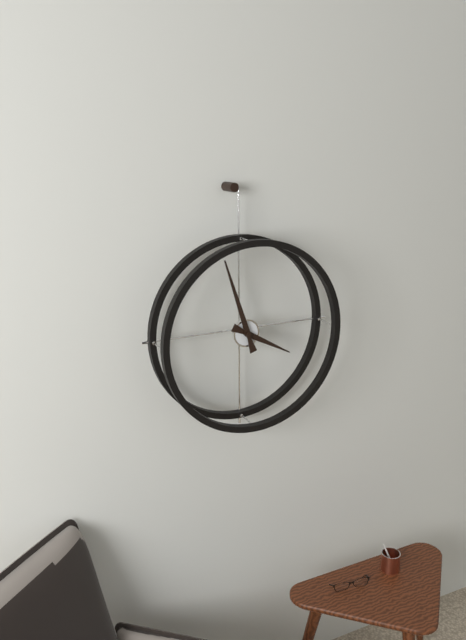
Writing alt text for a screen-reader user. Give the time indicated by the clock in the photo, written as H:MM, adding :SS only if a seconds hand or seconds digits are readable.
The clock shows 3:57
